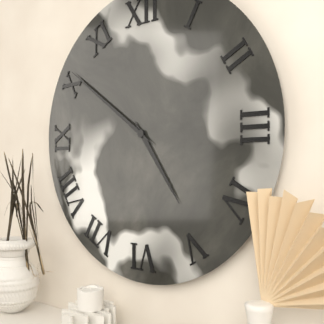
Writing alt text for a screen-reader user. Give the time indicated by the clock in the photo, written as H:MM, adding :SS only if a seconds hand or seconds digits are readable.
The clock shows 4:51
